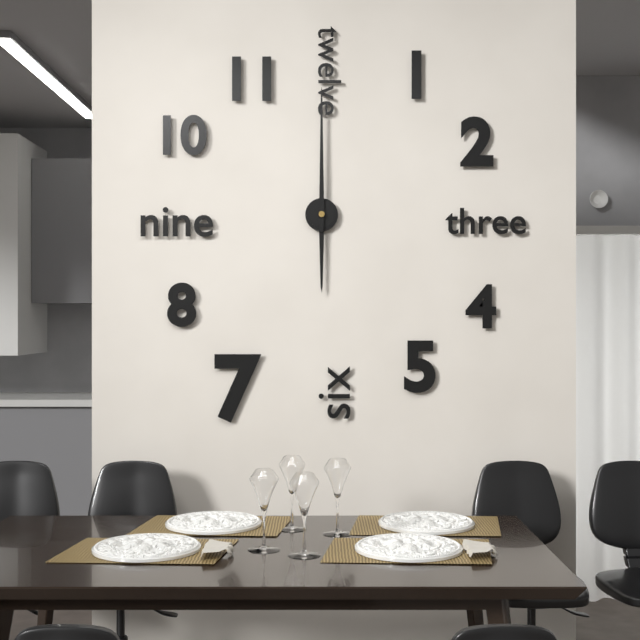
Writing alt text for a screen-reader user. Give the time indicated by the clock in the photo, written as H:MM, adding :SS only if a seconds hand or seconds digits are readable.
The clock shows 6:00
